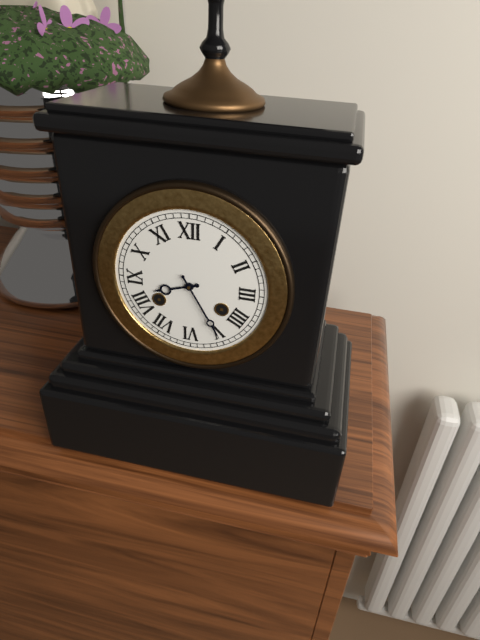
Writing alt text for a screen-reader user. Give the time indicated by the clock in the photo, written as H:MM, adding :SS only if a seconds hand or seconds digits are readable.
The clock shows 8:25
